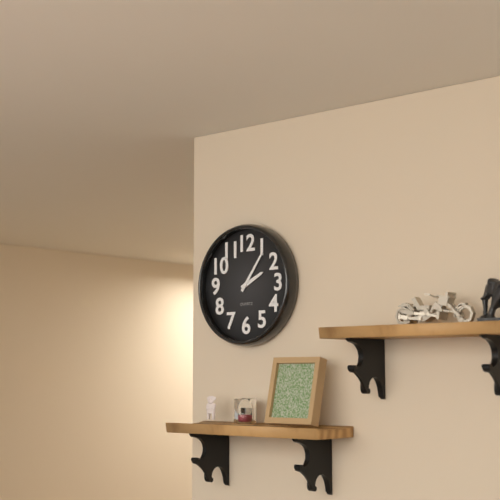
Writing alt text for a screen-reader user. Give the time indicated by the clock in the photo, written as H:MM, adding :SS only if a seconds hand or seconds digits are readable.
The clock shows 2:06
